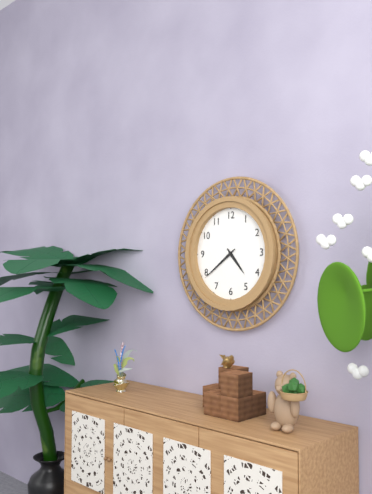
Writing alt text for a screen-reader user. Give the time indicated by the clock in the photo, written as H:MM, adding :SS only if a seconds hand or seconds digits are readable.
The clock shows 4:39
